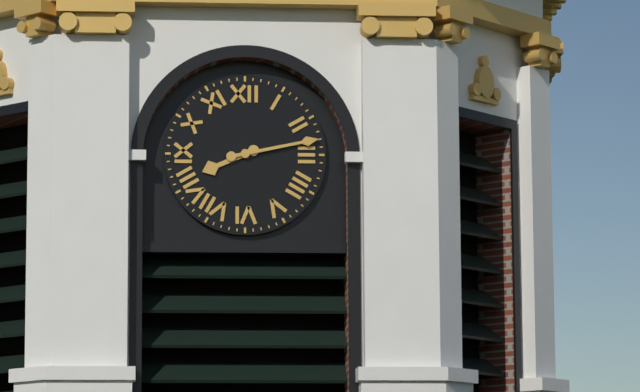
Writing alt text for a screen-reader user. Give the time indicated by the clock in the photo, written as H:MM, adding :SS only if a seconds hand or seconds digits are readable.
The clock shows 8:13
